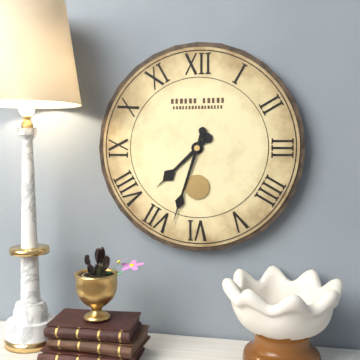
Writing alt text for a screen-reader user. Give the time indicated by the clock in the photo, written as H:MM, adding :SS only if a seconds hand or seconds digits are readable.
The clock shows 7:33
